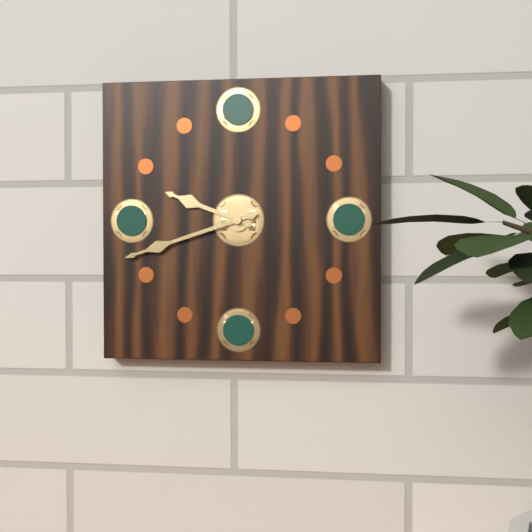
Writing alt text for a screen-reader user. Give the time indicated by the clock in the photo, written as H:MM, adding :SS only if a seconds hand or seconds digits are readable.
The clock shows 9:42
